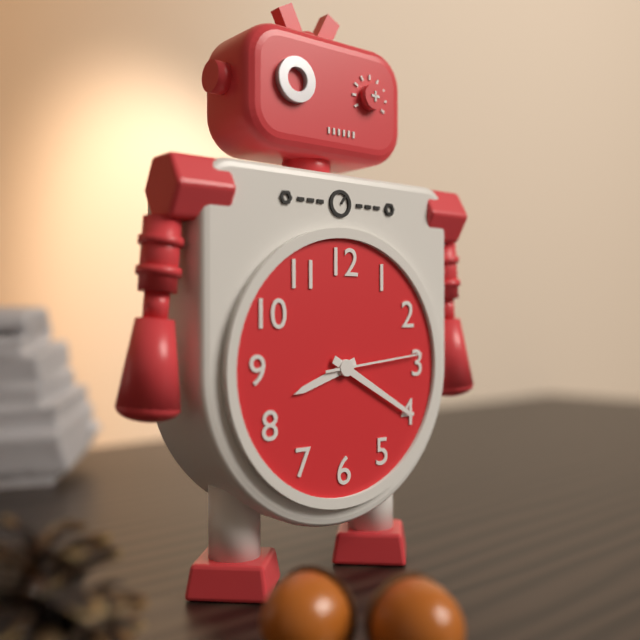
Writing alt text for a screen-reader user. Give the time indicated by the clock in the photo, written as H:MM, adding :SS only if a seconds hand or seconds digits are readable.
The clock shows 8:20:14
